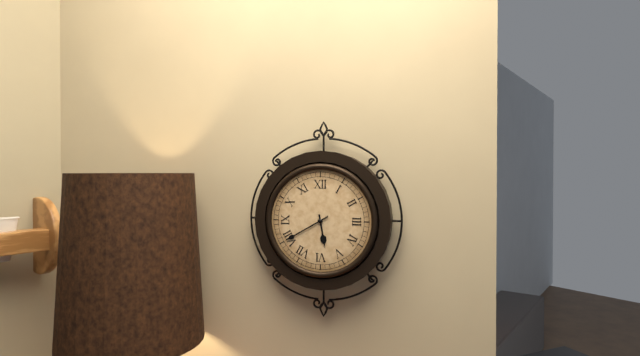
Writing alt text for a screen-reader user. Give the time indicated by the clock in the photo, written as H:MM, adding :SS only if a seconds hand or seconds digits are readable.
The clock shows 5:40
